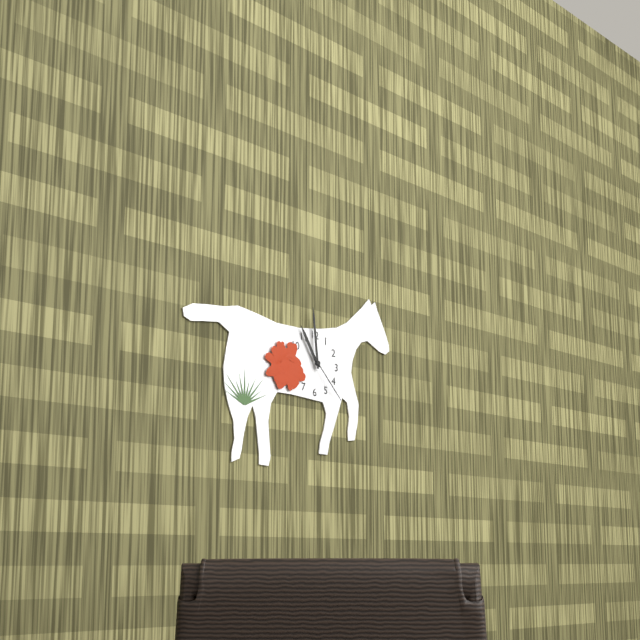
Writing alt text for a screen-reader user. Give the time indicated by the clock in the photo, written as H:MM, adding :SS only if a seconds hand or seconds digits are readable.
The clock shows 10:59:23
